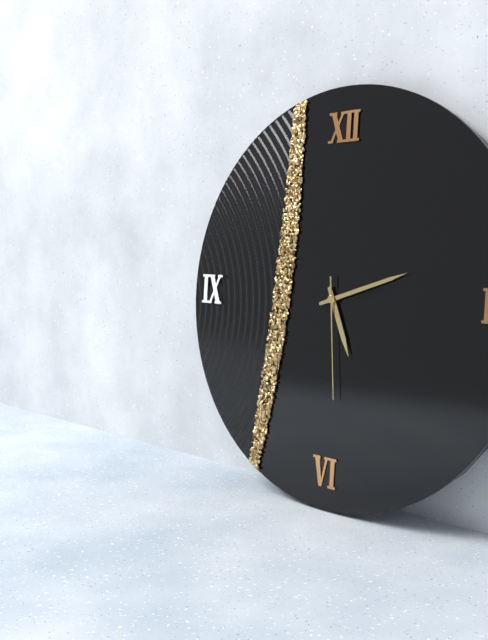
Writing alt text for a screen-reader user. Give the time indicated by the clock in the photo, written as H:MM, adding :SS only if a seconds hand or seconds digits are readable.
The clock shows 5:12:29
